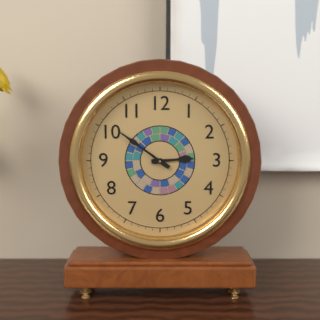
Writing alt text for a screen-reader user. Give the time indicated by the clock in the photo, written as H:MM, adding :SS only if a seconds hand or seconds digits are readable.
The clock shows 2:51
